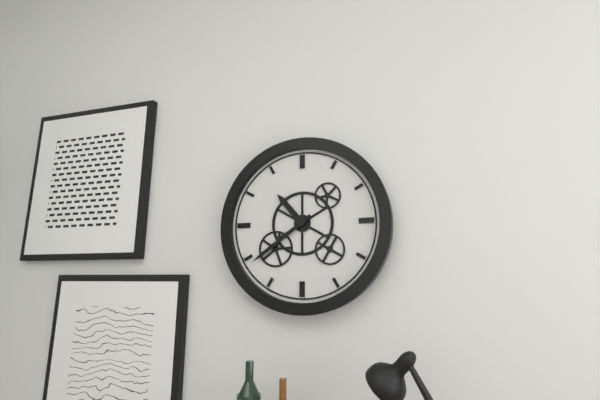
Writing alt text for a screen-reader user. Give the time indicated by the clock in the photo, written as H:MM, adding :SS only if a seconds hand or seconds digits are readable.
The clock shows 10:39
